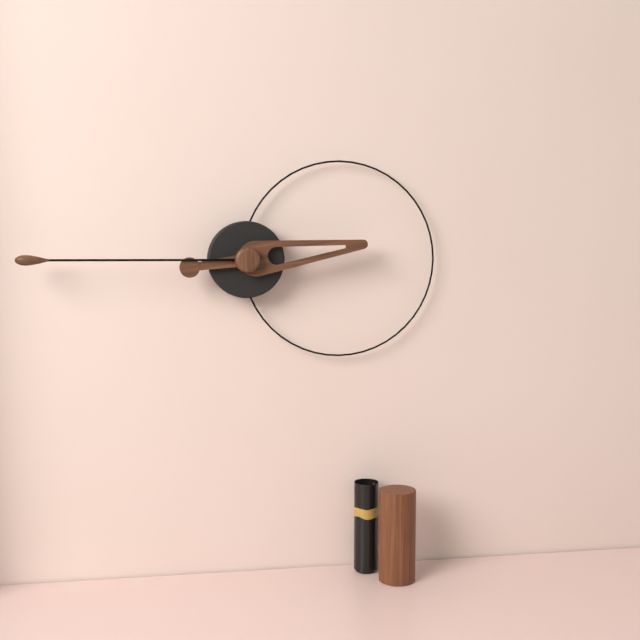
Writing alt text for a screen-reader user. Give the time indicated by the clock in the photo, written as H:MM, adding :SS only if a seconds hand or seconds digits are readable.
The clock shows 2:45
